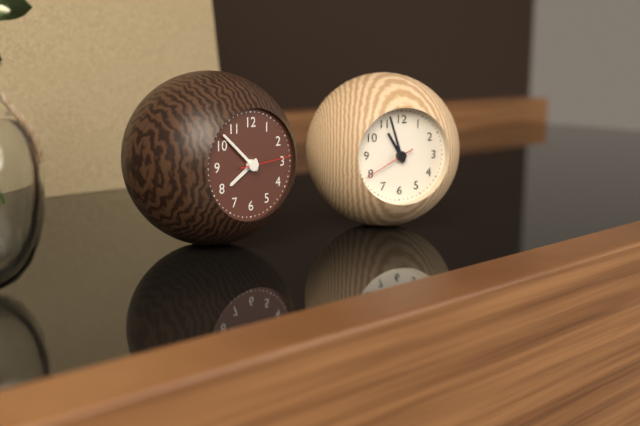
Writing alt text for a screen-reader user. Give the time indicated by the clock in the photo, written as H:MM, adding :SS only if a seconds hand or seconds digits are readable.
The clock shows 7:52
